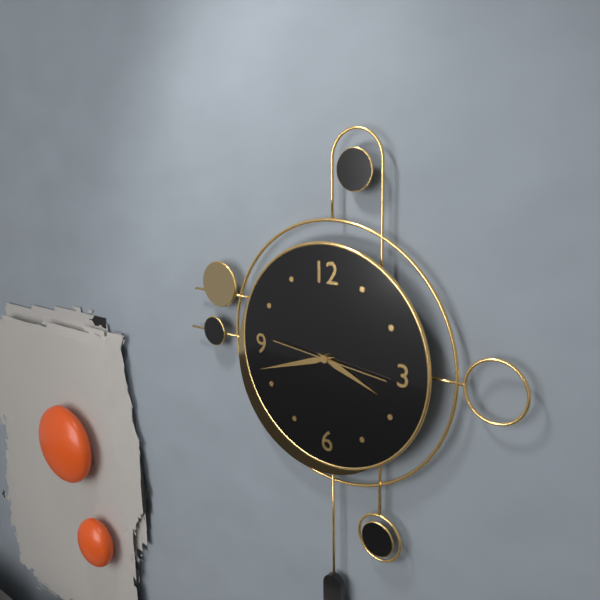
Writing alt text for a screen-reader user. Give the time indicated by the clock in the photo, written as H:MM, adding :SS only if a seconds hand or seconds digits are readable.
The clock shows 3:42:16
